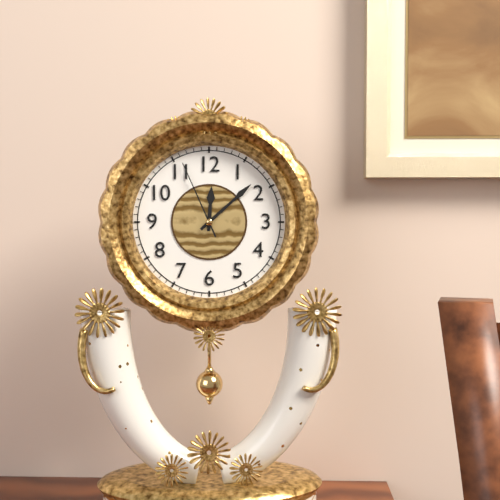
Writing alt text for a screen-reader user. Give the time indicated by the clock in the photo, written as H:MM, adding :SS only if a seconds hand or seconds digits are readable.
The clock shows 12:08:56
